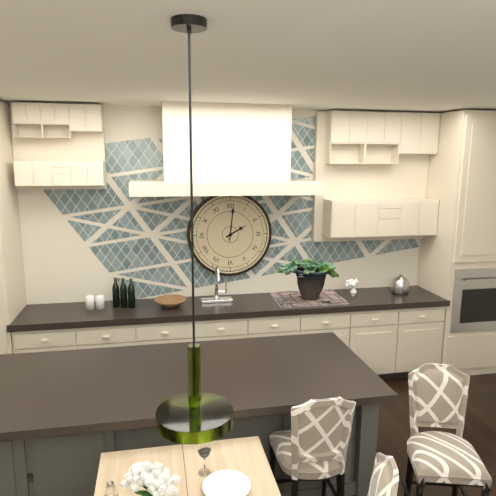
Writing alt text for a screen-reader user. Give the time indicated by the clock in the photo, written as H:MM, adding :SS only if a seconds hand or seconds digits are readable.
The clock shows 2:01
